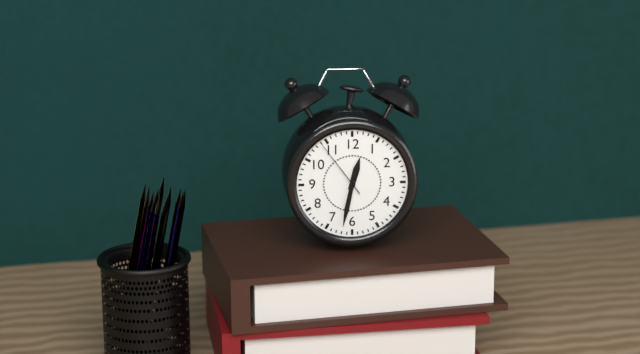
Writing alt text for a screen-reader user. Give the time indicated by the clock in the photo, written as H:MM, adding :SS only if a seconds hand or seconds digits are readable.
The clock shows 12:32:54
